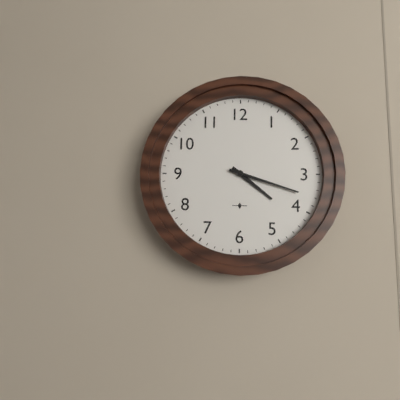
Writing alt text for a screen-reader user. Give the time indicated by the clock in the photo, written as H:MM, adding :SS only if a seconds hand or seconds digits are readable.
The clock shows 4:18
